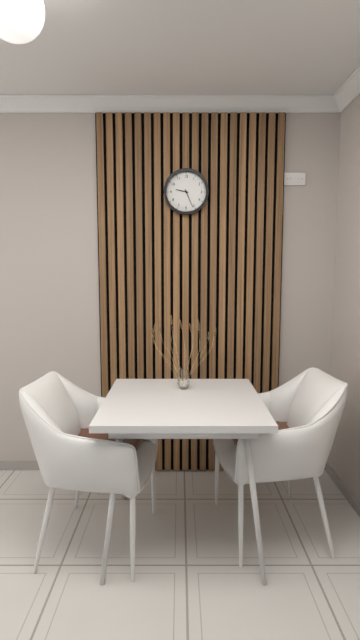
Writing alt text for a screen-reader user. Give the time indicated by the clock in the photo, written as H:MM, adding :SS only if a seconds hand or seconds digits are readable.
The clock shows 9:26
